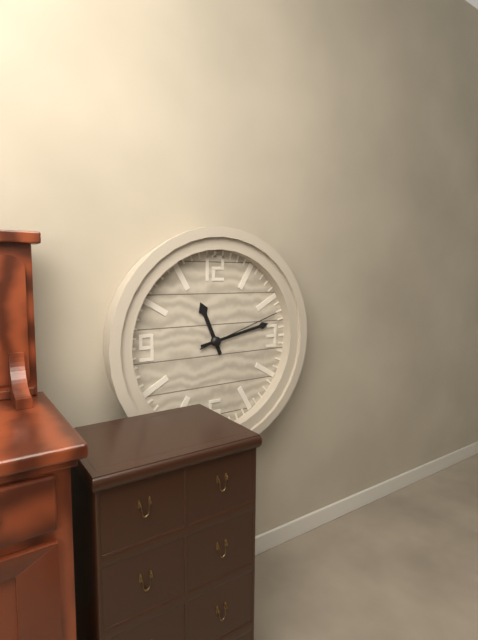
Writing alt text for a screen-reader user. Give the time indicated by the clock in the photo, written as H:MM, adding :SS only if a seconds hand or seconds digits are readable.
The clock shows 11:13:12
